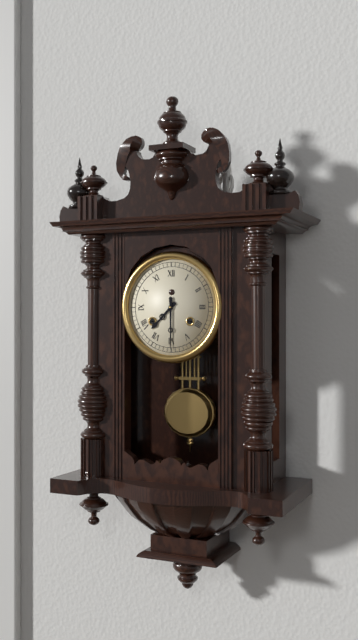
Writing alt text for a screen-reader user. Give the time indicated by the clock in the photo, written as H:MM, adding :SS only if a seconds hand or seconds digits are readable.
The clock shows 7:30
